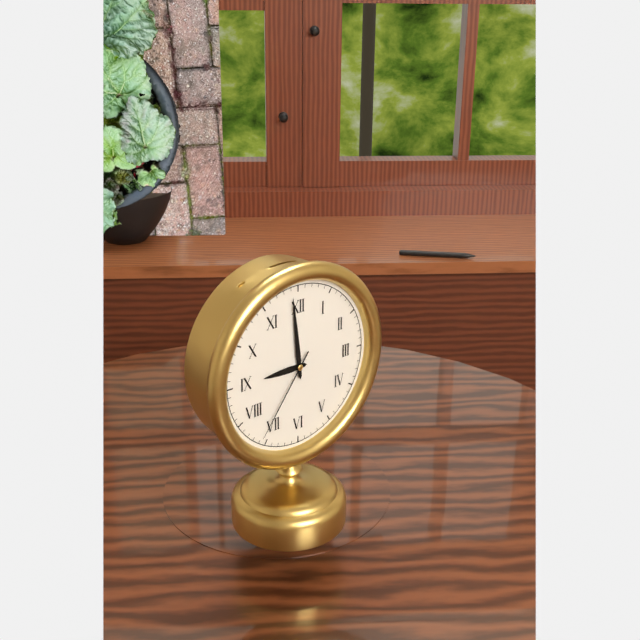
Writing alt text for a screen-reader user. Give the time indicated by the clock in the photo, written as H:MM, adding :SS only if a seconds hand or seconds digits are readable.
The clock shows 8:59:36
